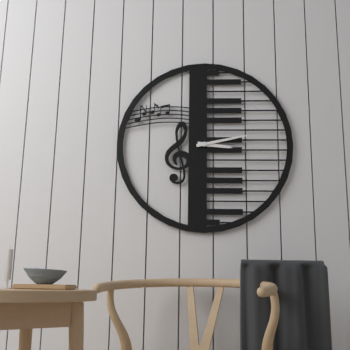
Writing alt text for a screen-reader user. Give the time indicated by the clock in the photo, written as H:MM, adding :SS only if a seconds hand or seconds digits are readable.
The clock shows 3:13
